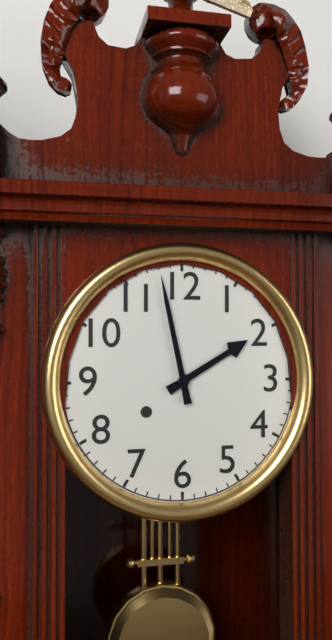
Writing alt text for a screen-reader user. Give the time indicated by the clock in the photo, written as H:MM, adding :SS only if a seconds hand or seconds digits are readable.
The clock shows 1:58
